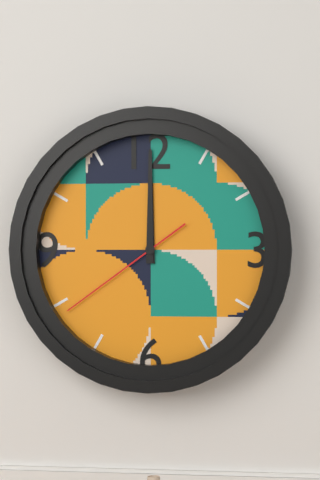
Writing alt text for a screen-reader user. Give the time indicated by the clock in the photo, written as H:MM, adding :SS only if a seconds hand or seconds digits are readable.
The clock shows 12:00:39
